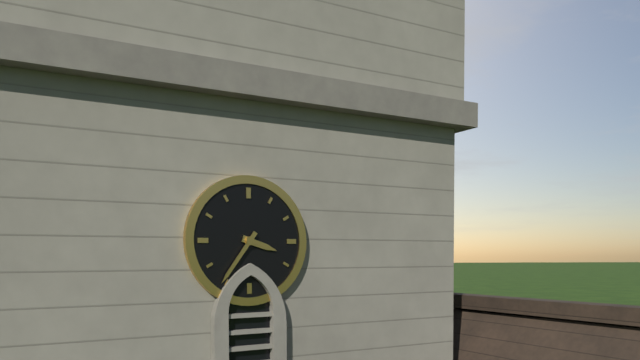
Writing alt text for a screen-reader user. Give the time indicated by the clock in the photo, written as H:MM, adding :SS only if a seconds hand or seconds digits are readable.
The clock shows 3:36
